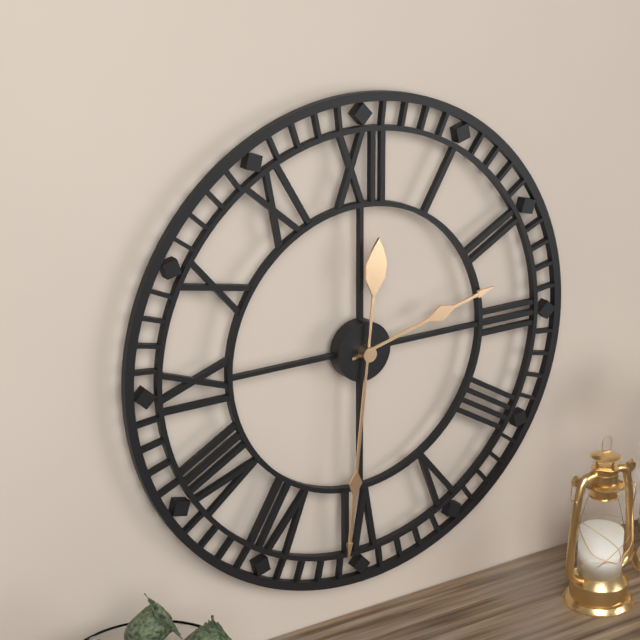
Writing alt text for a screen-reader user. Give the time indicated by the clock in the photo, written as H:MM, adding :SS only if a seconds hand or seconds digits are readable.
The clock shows 2:31
